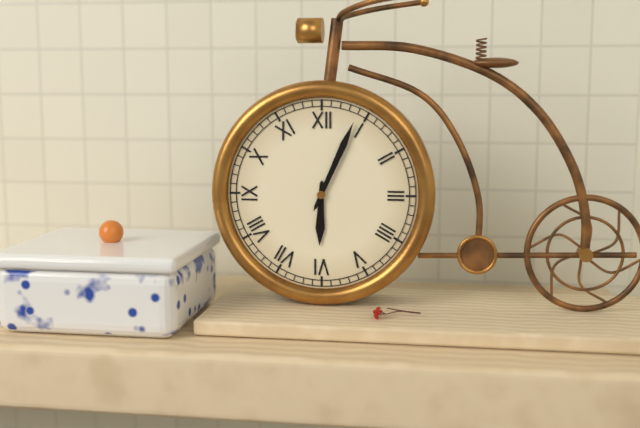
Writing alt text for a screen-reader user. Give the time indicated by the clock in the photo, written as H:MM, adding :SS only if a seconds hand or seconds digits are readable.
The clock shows 6:04
